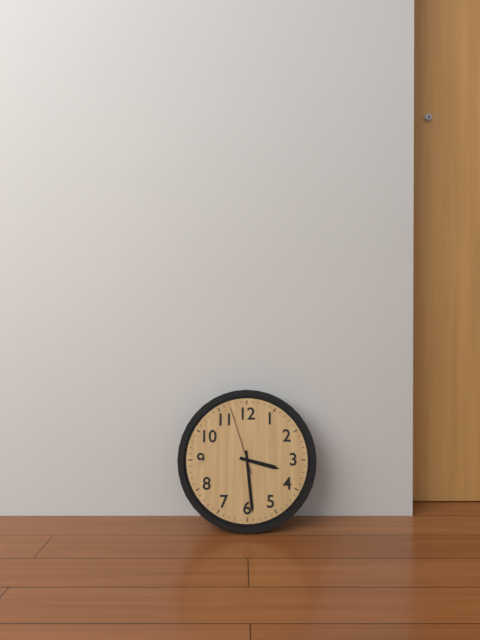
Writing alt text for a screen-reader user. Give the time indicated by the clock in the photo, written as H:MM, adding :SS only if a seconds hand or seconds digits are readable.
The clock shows 3:29:57
